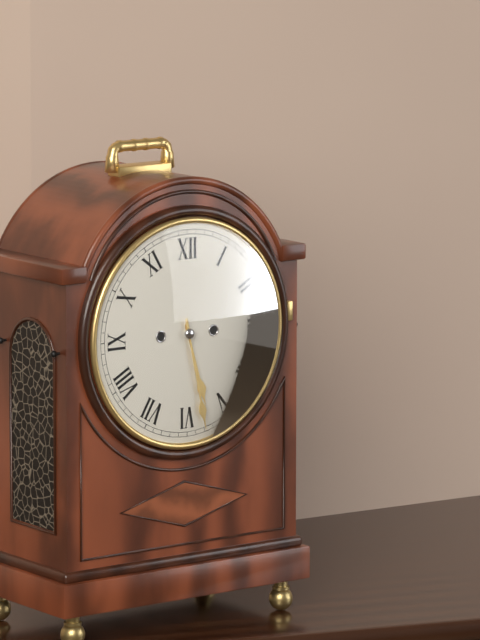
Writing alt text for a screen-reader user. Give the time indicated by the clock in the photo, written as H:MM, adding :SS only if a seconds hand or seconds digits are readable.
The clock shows 5:28
